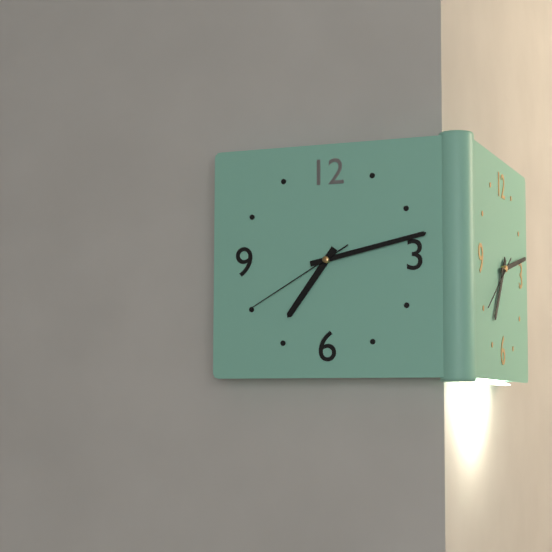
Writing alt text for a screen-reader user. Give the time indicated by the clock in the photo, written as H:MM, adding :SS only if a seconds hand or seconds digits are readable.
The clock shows 7:13:40
